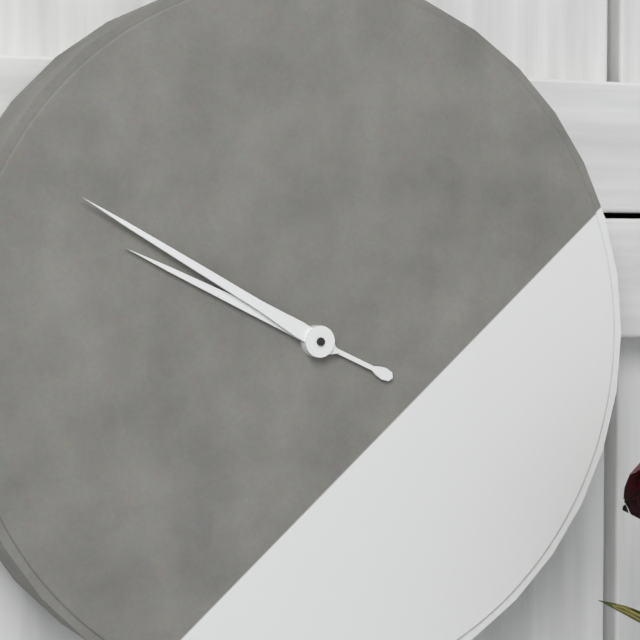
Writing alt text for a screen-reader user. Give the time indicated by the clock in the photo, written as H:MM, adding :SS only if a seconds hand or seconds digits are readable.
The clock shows 9:50
